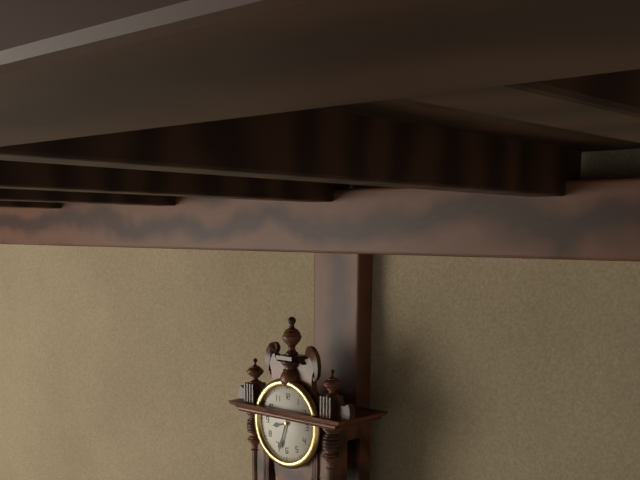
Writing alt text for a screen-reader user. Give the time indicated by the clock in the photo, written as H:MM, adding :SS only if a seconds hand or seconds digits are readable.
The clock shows 8:33
